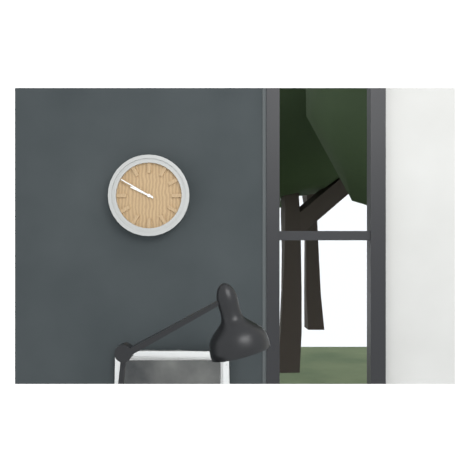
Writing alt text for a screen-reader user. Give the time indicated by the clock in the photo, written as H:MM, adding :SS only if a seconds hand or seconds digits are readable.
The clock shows 9:50
